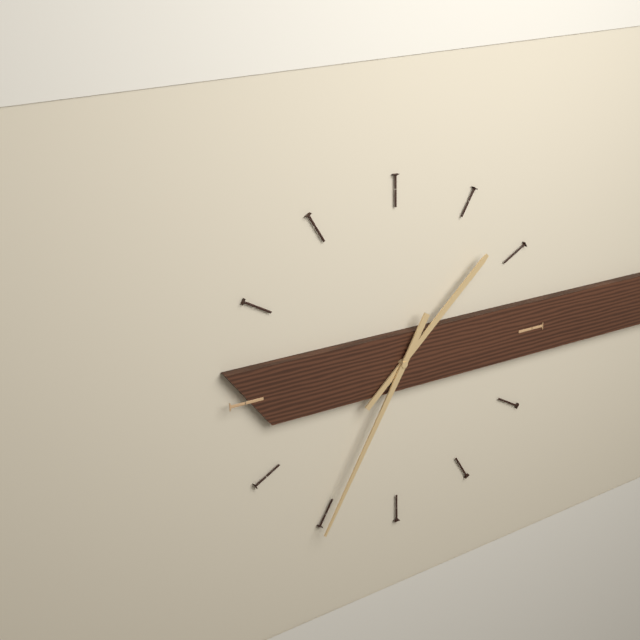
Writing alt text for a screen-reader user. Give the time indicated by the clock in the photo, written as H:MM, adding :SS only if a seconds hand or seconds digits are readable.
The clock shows 1:35
